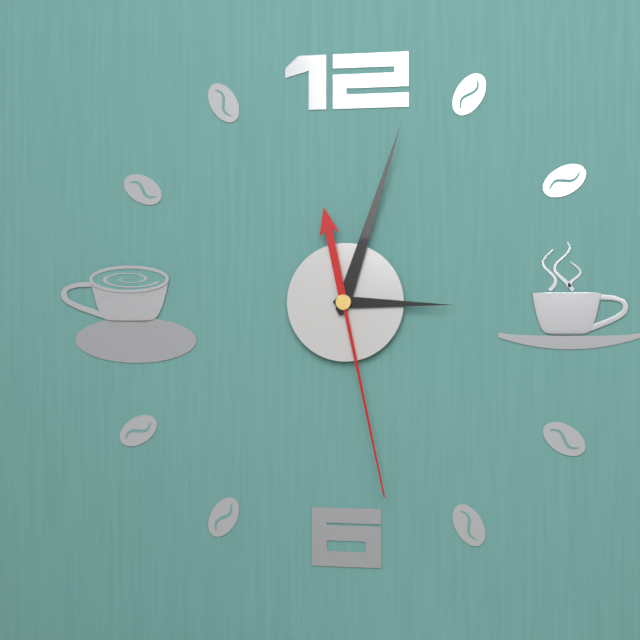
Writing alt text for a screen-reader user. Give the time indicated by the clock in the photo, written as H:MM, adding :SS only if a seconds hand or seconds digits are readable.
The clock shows 3:03:28
